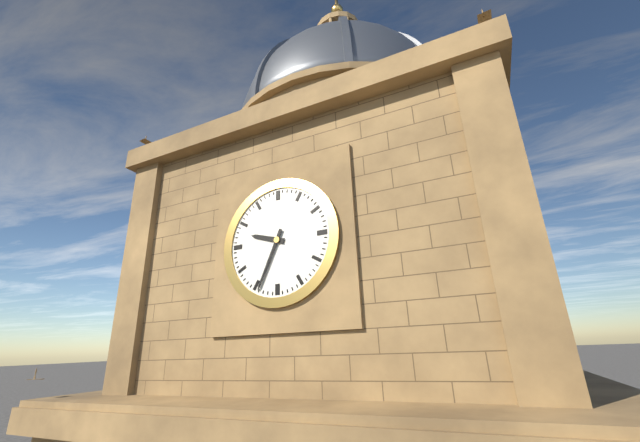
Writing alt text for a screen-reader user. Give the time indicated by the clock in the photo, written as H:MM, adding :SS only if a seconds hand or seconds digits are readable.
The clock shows 9:34
